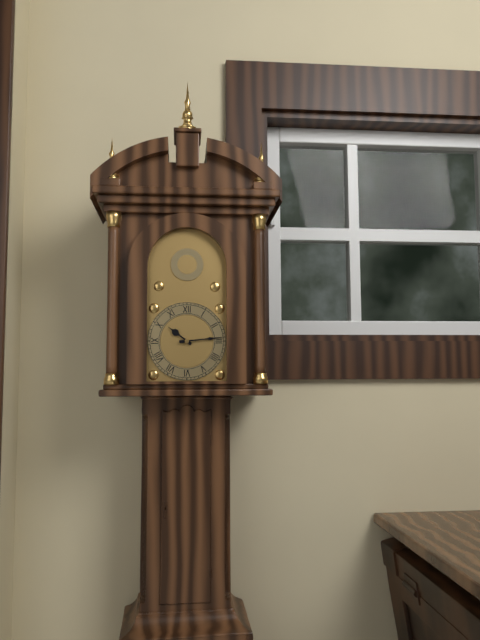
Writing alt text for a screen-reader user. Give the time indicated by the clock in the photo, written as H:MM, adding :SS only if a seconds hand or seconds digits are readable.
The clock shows 10:14
